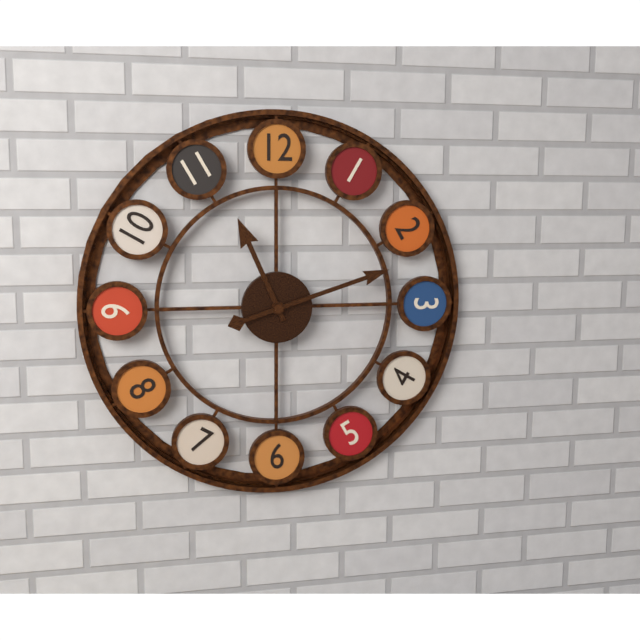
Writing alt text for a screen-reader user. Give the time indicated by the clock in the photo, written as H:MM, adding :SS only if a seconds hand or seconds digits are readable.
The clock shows 11:12
